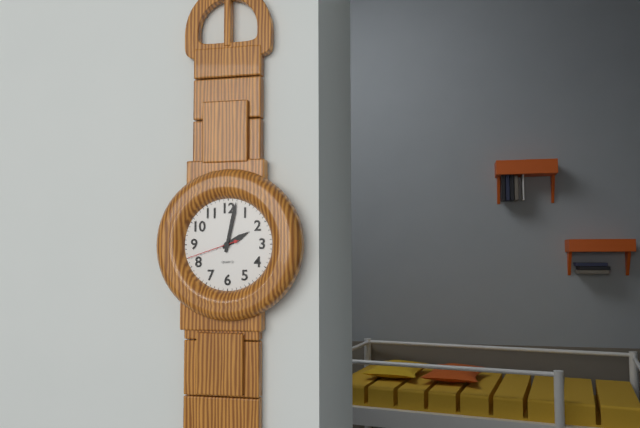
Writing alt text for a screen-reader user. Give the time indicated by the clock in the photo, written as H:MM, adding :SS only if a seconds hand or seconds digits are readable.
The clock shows 2:02:42
